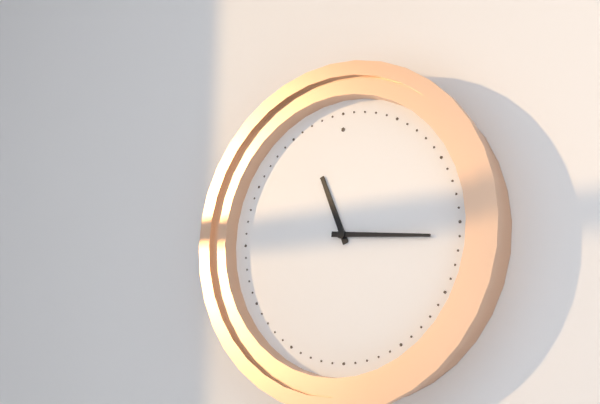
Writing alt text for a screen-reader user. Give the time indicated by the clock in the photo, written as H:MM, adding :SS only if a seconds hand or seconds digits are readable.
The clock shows 11:16
